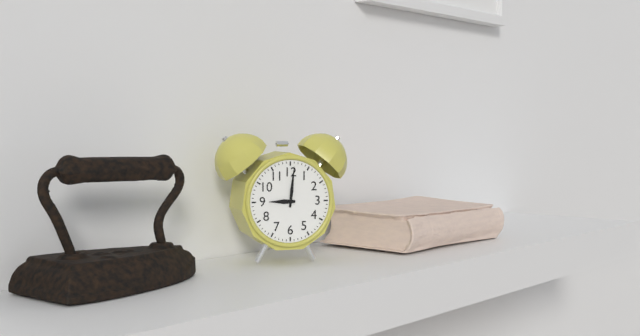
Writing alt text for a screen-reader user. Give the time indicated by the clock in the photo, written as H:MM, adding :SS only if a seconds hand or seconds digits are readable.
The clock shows 9:01
